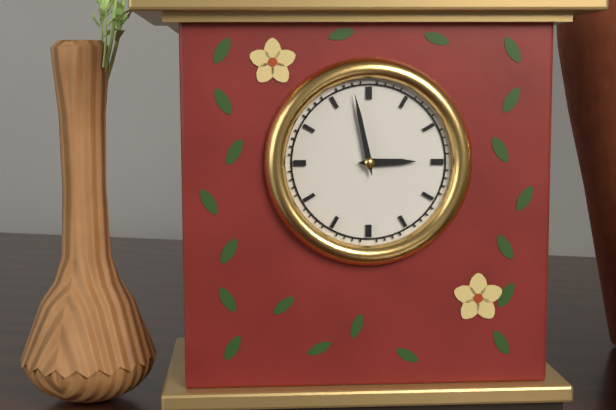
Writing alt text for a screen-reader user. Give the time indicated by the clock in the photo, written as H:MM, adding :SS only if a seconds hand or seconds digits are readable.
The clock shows 2:58
